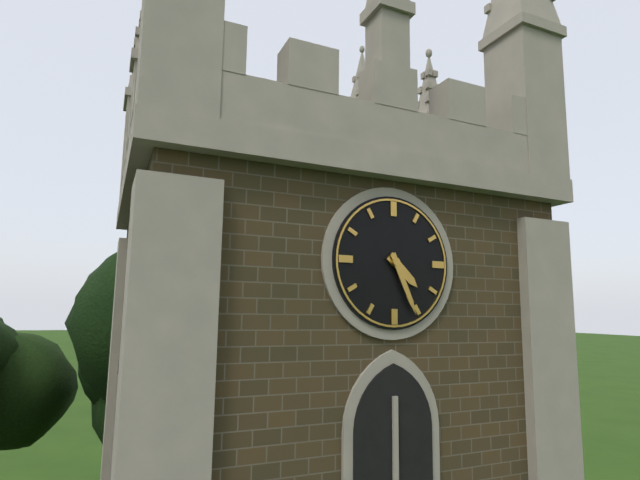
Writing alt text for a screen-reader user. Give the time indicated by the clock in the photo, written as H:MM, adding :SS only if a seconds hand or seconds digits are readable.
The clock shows 4:26
